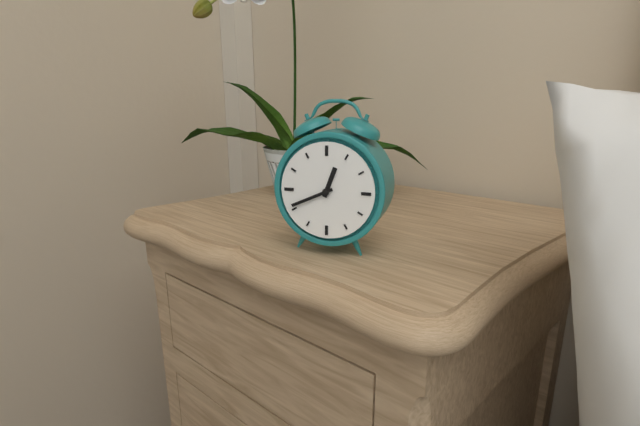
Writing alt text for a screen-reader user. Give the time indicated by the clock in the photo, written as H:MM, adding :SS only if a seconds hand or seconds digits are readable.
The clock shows 12:41
